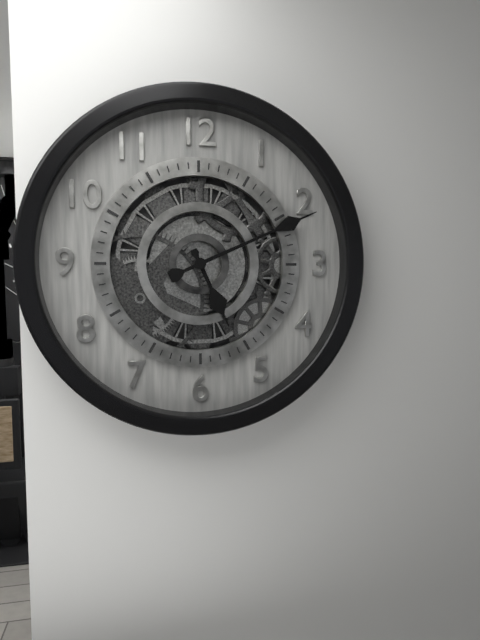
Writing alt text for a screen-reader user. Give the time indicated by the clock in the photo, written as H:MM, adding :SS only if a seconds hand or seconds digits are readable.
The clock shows 5:11
